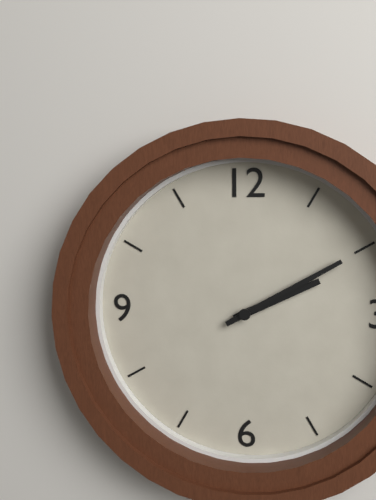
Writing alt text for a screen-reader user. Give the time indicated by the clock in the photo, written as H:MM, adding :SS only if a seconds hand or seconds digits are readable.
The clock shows 2:10
